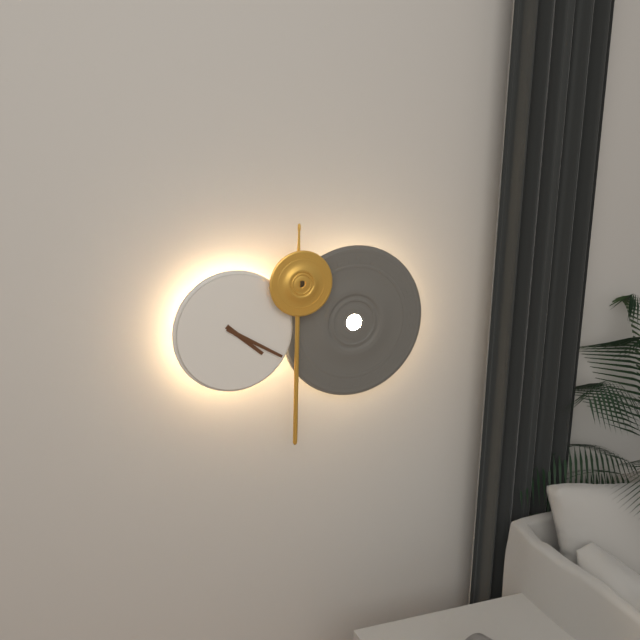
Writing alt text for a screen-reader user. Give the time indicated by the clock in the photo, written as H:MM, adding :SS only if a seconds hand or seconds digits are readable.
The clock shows 4:20
